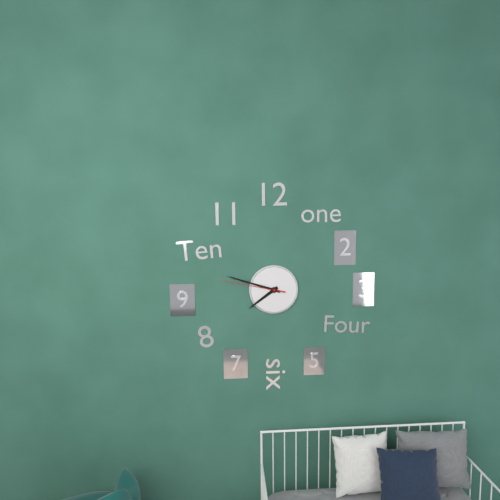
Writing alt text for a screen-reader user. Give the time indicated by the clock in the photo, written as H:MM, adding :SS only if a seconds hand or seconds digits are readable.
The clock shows 7:48:47
